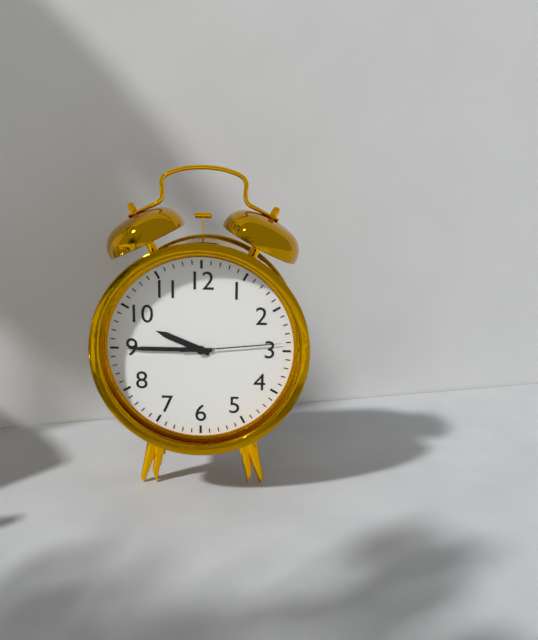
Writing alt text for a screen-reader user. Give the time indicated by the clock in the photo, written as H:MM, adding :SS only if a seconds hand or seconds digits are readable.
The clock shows 9:45:14
